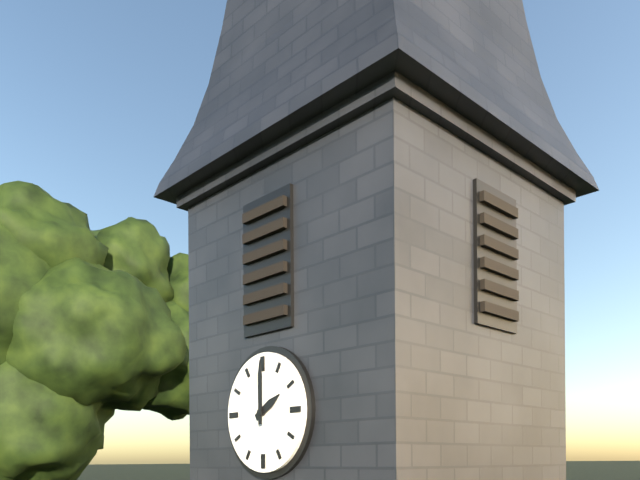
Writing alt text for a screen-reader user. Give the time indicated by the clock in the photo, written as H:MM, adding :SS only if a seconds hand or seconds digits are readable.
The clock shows 2:00
